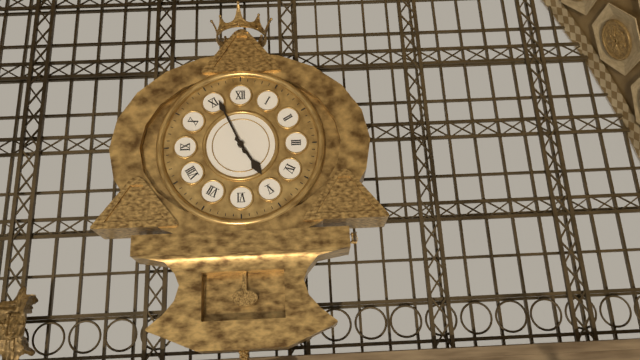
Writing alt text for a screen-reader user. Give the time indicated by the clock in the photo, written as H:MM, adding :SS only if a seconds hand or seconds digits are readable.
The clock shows 4:56
